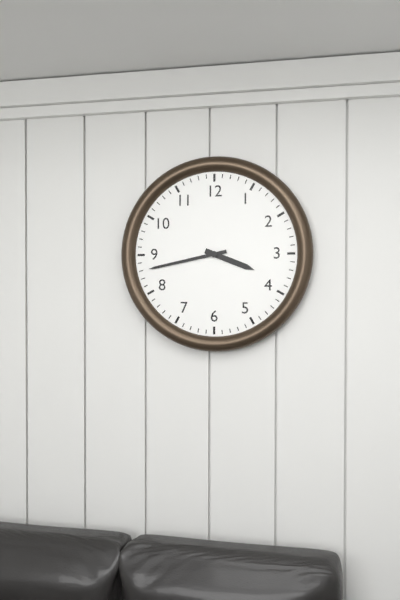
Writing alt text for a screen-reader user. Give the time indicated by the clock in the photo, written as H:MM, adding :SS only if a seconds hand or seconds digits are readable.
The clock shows 3:43
